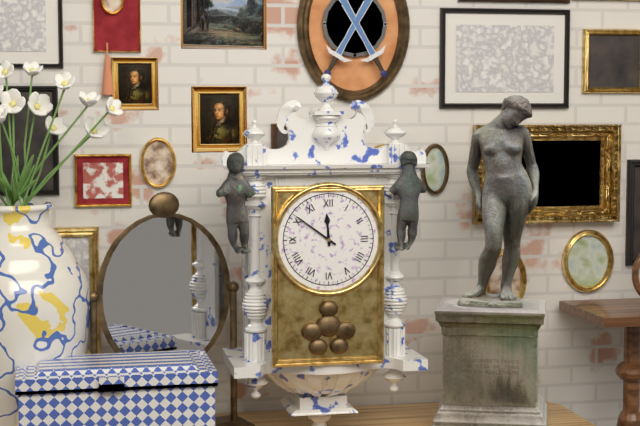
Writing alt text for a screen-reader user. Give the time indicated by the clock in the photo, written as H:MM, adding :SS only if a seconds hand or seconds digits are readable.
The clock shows 11:51
